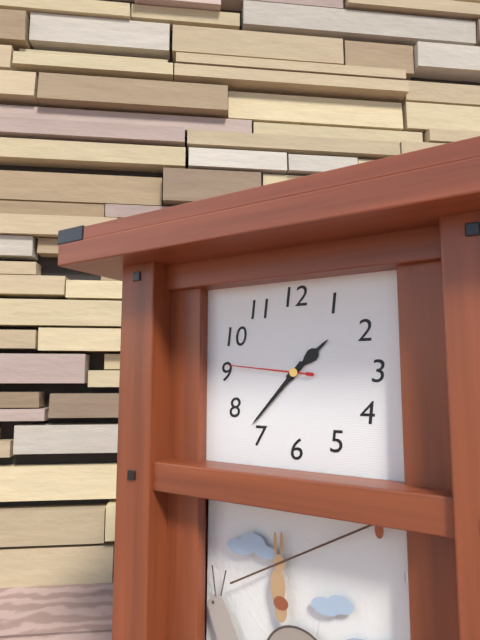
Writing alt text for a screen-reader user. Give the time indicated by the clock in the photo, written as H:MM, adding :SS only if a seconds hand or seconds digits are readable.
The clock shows 1:37:46
